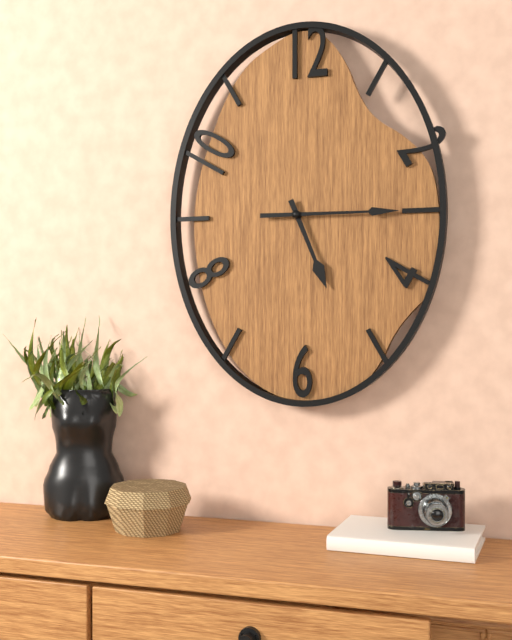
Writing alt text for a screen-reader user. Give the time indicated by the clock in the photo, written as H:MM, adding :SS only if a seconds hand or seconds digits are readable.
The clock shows 5:15
